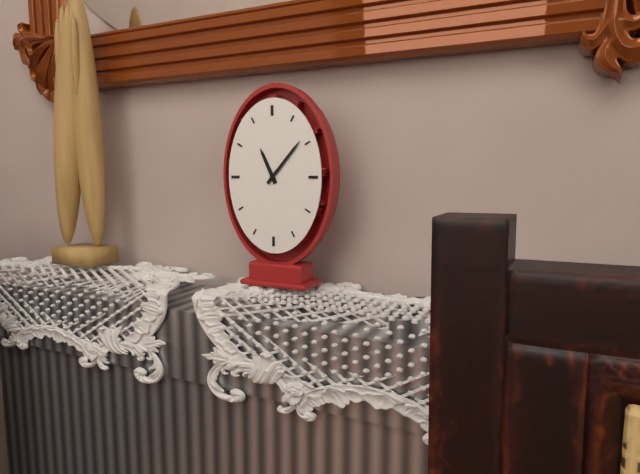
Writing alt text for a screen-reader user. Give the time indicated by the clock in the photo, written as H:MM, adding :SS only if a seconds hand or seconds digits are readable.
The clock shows 11:07
